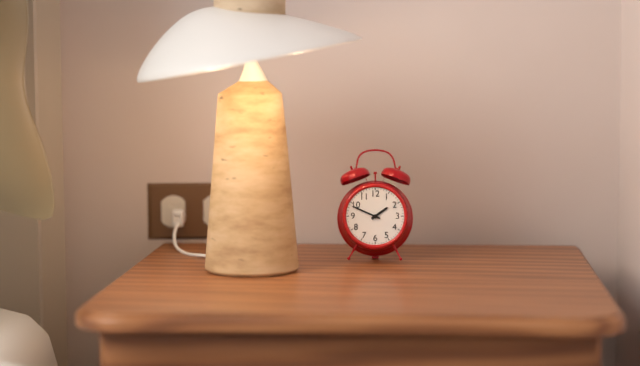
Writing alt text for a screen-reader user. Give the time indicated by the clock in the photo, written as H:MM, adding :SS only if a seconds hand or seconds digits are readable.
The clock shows 1:49
